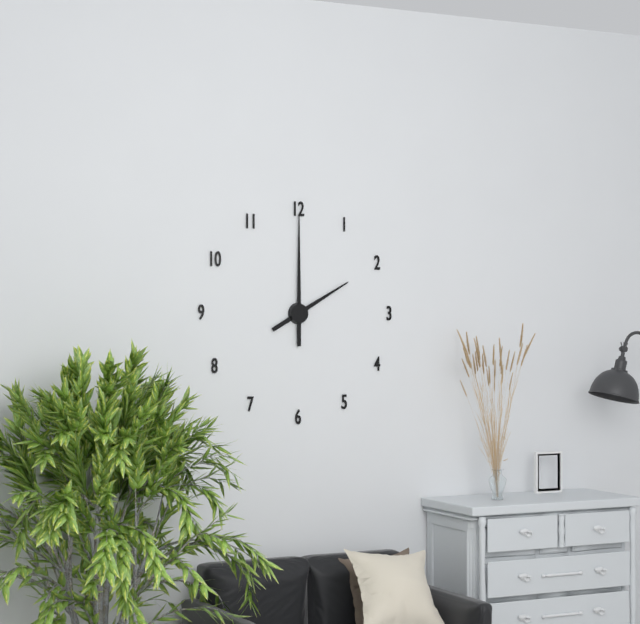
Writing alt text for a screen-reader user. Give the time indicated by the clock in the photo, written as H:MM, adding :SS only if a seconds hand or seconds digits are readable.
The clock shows 2:00
